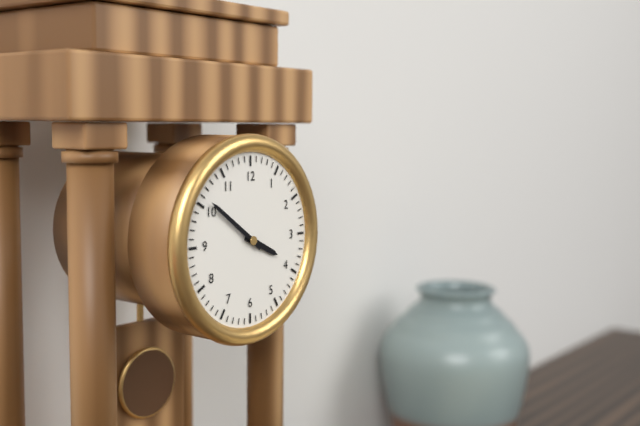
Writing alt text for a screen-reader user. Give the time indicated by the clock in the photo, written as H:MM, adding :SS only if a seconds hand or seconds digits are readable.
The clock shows 3:51
